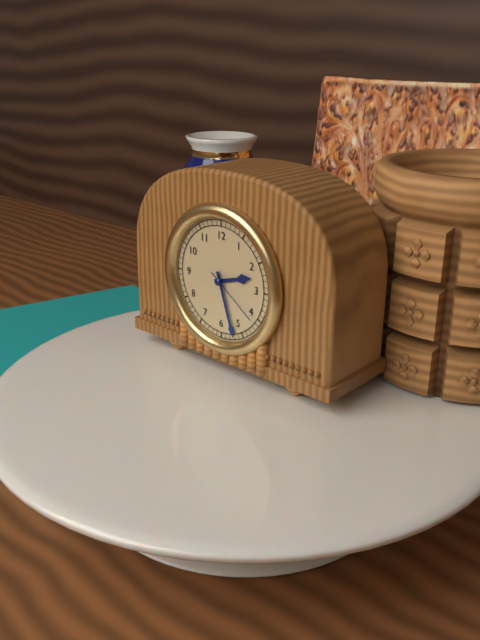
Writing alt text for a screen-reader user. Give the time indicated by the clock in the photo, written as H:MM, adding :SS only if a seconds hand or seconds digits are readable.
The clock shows 2:27:21
